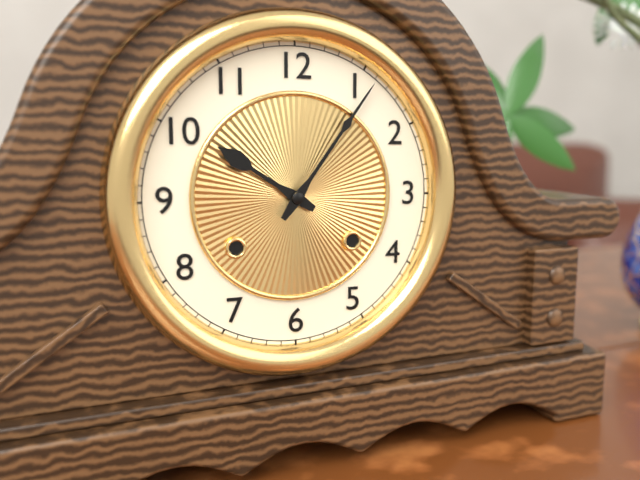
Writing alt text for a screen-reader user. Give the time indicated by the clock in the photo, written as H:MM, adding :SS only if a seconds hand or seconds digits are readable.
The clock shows 10:06
